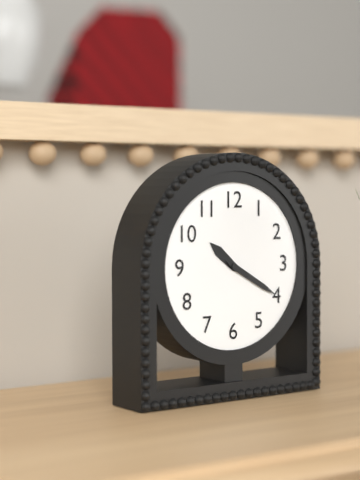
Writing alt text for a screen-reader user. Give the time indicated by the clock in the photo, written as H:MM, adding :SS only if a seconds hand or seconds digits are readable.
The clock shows 10:20
